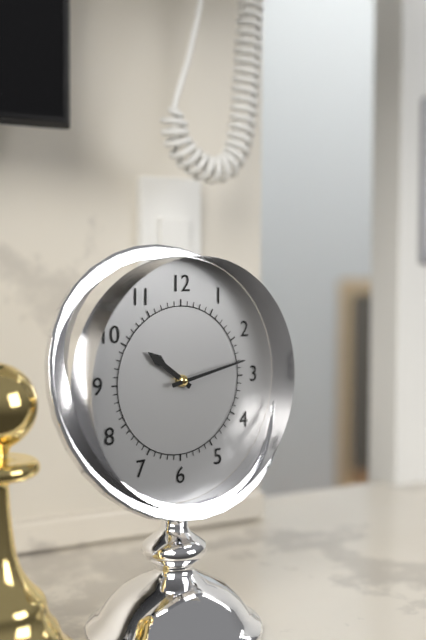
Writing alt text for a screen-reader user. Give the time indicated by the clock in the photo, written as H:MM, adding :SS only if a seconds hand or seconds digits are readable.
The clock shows 10:13
